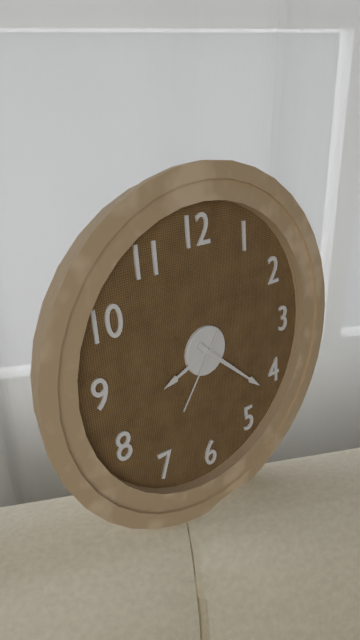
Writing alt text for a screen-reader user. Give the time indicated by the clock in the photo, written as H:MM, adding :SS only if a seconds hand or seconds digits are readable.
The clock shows 8:22:36
